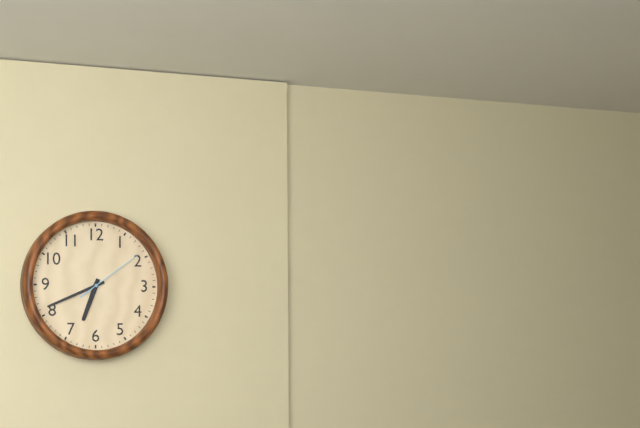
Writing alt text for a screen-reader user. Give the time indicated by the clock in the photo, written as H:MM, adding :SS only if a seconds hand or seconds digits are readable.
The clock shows 6:41:09
